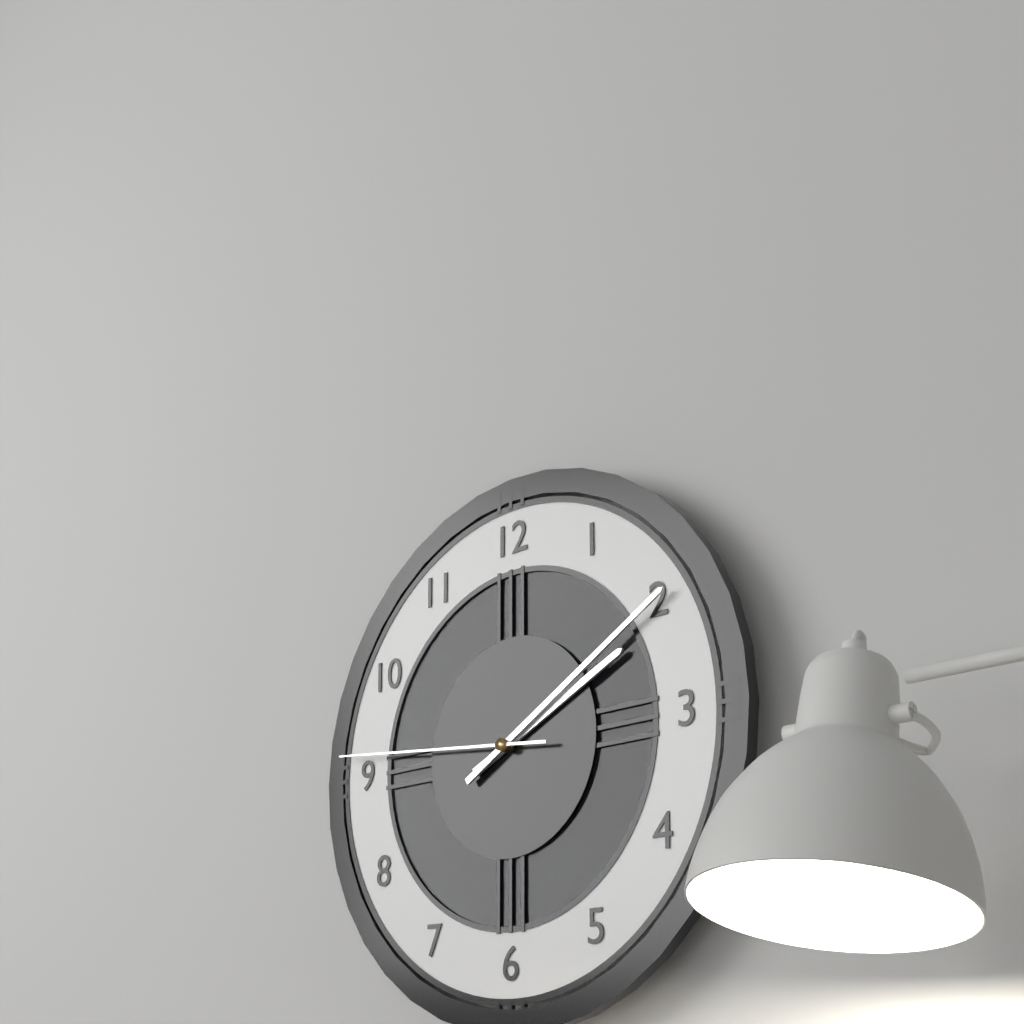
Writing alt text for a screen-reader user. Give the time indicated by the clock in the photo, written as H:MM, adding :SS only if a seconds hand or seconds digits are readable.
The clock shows 2:10:46
